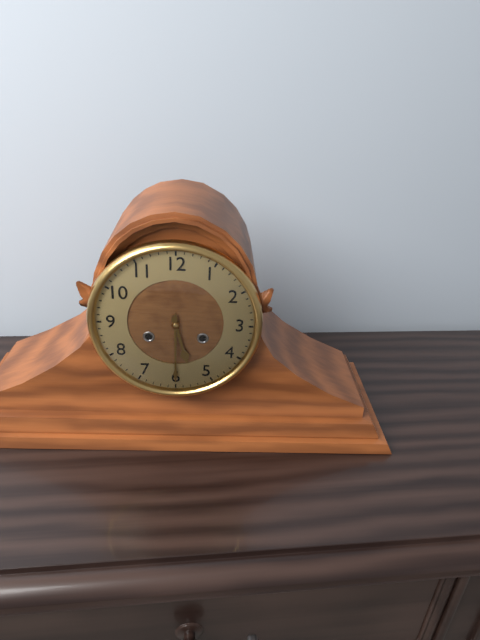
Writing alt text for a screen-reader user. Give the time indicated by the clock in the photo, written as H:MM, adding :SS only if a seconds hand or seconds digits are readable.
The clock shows 5:30
